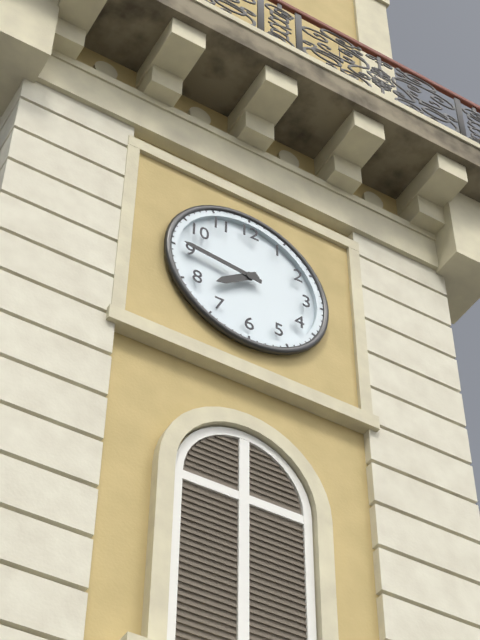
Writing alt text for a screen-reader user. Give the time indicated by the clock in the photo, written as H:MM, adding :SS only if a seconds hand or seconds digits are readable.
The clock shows 7:46
